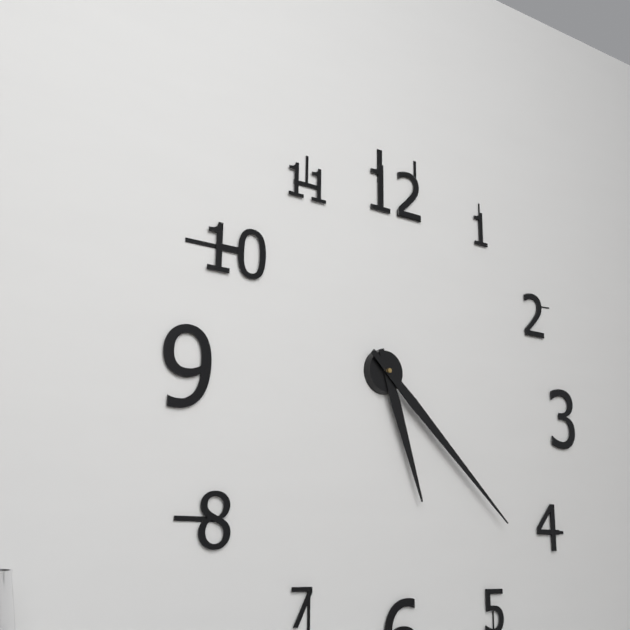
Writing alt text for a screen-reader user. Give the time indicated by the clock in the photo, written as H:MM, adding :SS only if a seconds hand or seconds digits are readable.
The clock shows 5:22
